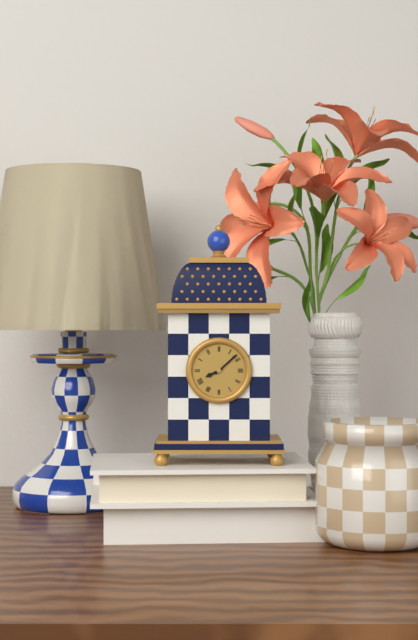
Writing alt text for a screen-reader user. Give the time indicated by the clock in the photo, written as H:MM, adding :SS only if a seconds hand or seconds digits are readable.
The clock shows 8:08
